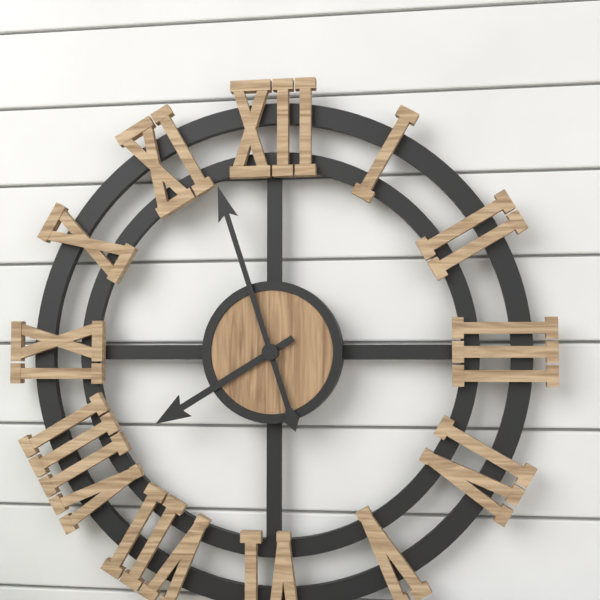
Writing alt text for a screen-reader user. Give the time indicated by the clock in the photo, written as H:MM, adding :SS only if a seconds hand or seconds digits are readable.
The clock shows 7:57
